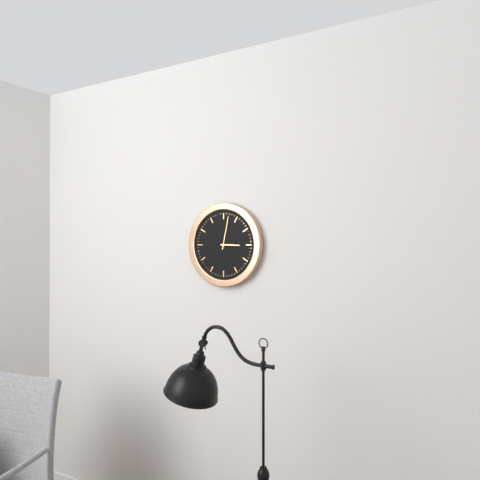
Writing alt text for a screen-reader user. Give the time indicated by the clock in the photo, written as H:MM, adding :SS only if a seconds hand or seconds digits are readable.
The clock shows 3:02
